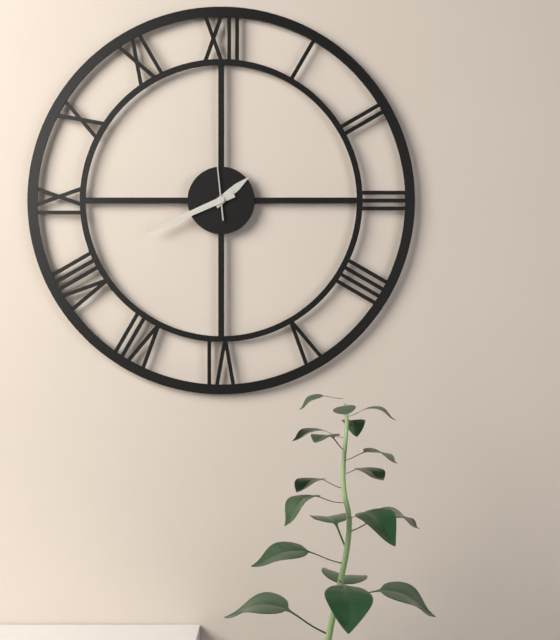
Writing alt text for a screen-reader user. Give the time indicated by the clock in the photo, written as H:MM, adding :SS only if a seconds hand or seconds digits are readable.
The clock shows 1:41:59
